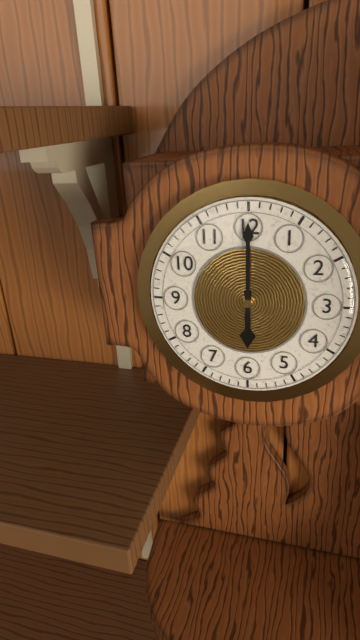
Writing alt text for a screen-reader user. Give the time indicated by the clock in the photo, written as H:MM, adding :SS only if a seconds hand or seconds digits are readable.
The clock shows 6:00
